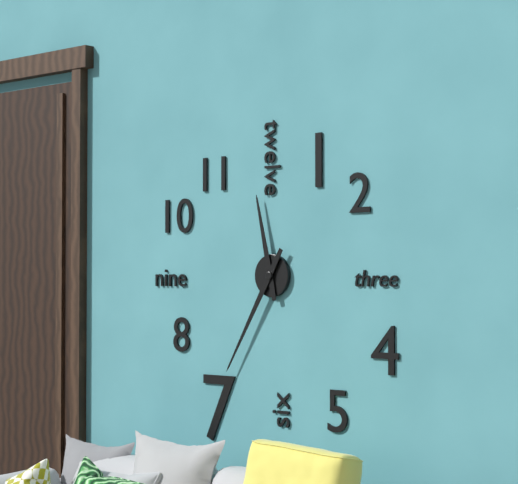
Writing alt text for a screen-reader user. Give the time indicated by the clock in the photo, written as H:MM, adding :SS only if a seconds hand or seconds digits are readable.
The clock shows 11:35
